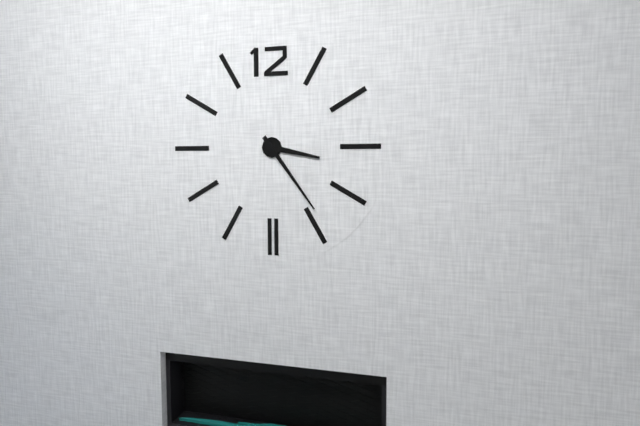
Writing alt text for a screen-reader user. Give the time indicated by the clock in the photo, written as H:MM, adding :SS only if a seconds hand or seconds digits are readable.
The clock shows 3:24
